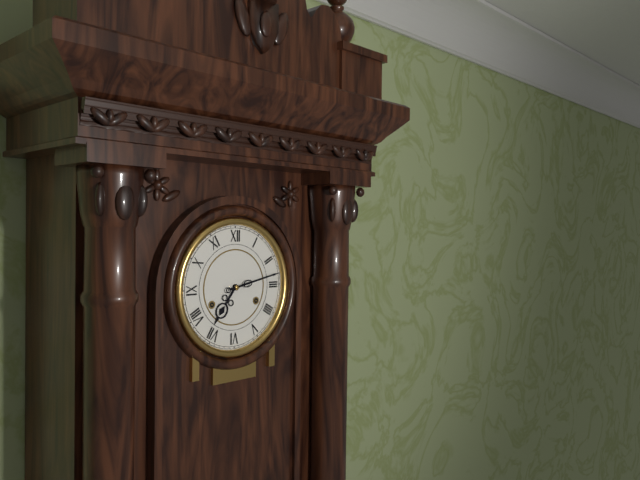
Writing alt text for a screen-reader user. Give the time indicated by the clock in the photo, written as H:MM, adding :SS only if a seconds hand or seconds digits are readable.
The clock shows 7:13
